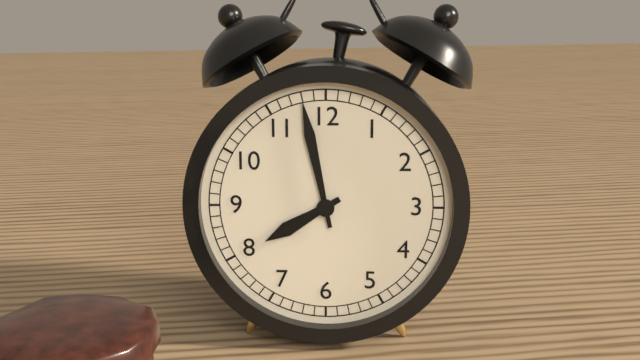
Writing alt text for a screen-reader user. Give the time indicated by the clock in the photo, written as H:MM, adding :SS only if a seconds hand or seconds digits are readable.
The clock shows 7:58
